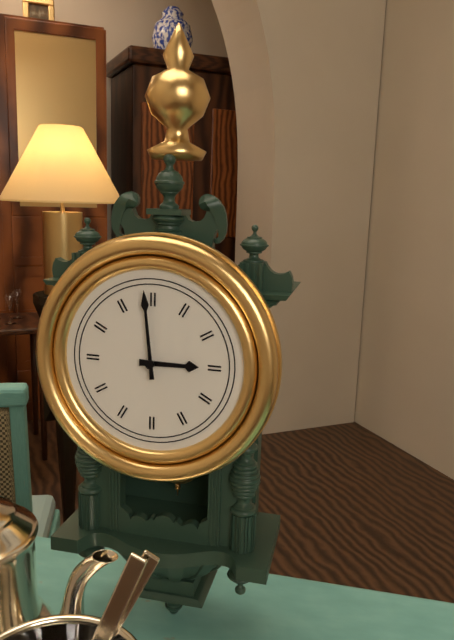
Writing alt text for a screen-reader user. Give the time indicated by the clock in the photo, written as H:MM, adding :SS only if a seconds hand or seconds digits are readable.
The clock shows 2:59
